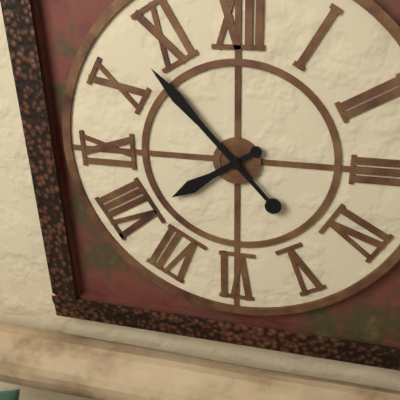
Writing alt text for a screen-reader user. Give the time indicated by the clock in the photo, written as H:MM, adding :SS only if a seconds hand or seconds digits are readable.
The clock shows 7:53
